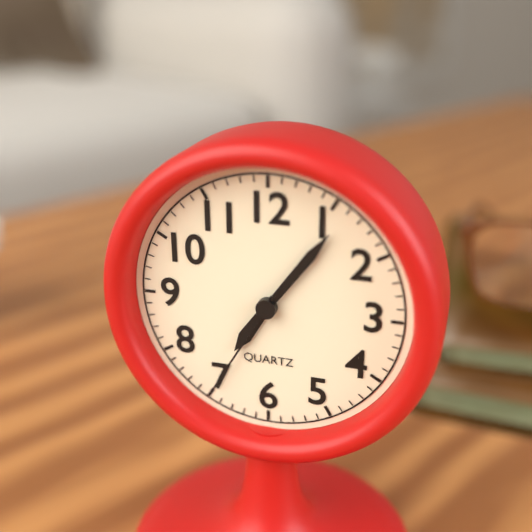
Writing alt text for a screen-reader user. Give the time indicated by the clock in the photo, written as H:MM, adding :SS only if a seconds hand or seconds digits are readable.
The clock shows 7:06:35
